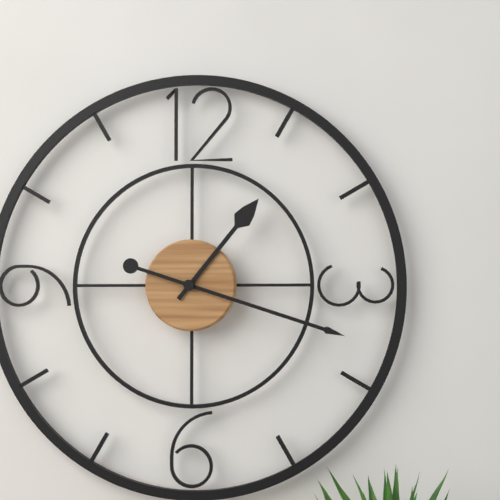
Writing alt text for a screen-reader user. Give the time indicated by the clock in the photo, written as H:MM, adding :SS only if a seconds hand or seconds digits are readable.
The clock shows 1:18
